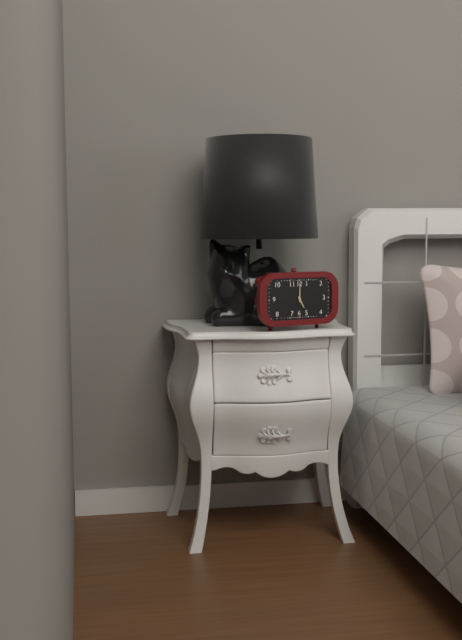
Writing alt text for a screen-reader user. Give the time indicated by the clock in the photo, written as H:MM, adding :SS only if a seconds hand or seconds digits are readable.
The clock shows 5:00
